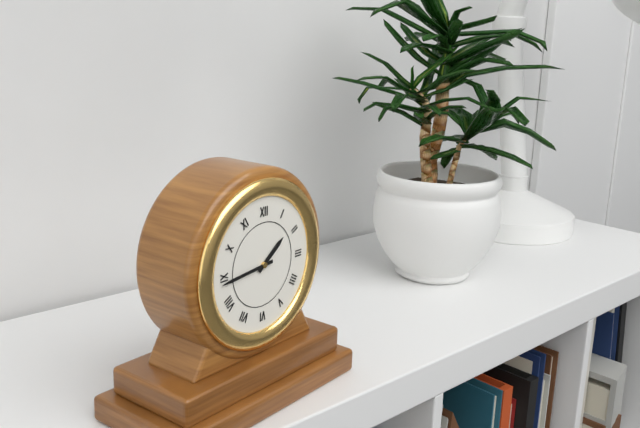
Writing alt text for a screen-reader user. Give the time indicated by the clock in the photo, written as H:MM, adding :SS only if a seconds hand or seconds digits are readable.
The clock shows 1:44
